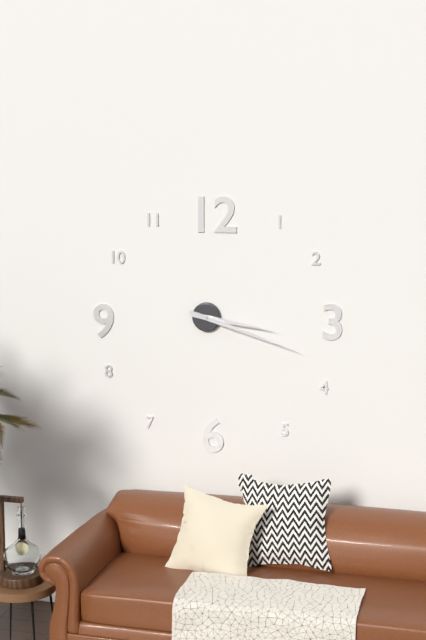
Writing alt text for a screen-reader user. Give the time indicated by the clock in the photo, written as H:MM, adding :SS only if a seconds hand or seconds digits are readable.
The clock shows 3:18
